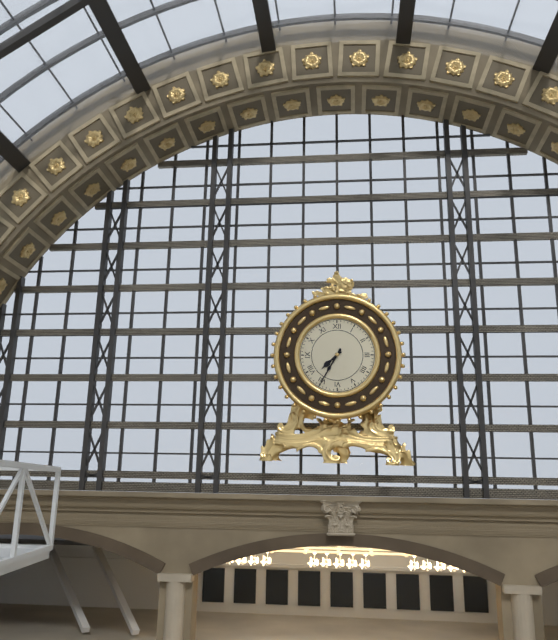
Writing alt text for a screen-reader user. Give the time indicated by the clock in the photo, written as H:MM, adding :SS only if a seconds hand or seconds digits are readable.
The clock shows 7:35
